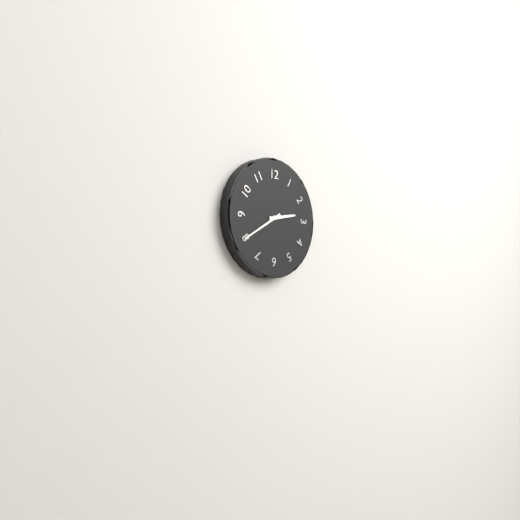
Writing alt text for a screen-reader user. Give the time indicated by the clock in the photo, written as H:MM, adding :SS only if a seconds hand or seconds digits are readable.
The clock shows 2:40
